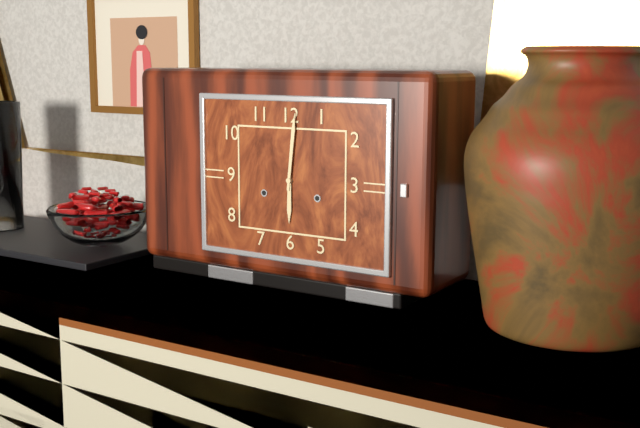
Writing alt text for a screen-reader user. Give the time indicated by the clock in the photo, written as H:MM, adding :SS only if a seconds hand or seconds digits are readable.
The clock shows 6:01
